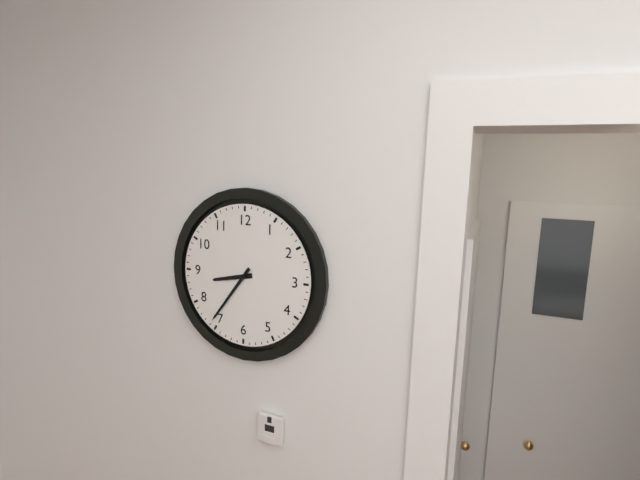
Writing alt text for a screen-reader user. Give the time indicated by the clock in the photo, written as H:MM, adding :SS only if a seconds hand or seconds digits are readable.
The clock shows 8:36
